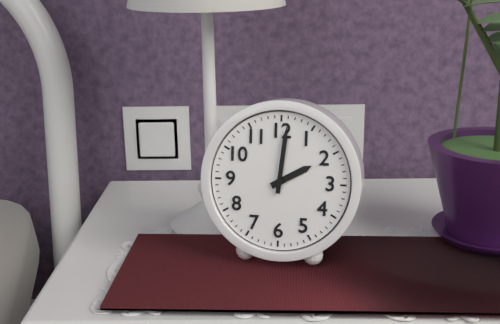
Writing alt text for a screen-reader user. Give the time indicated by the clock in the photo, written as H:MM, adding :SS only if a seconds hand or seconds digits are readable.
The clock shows 2:01
